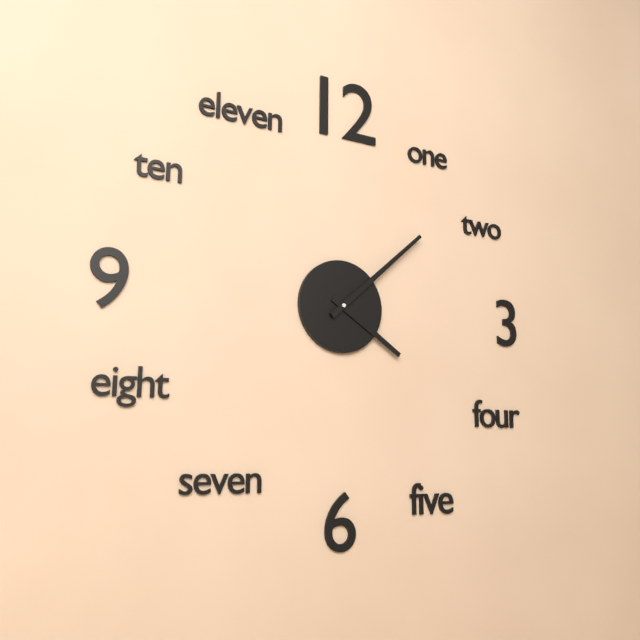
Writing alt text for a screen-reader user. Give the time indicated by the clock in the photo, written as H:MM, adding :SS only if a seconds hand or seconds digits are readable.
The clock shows 4:08
